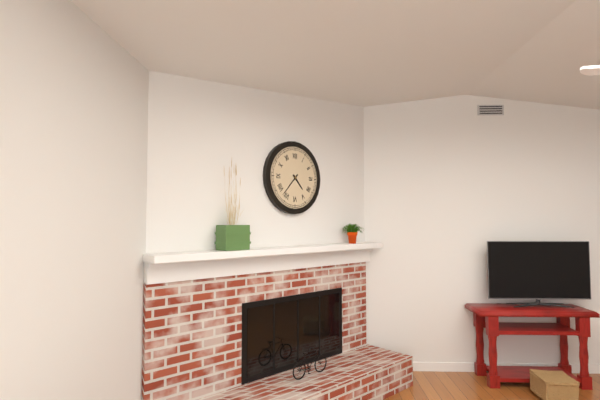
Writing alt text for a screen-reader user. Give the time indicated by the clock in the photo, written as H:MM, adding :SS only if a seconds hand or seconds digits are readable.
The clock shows 4:37
